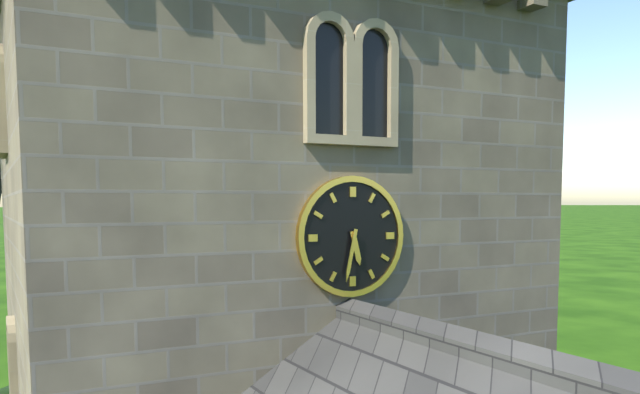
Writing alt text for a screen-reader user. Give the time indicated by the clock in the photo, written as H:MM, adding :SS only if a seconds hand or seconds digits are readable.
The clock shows 5:32
